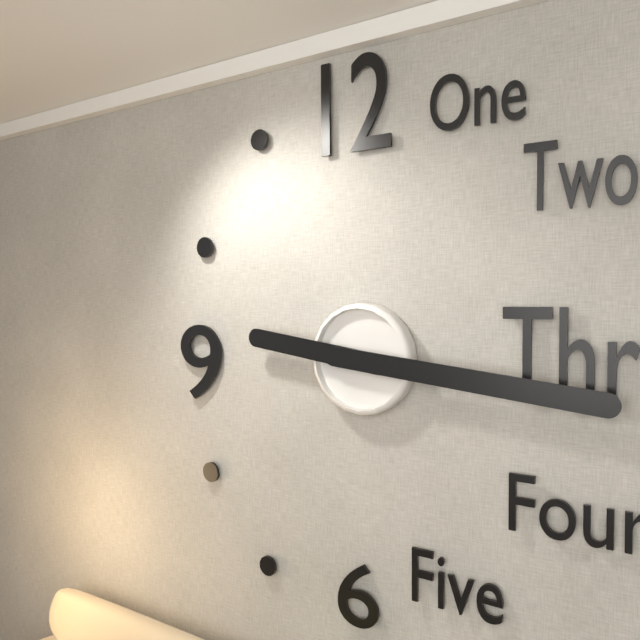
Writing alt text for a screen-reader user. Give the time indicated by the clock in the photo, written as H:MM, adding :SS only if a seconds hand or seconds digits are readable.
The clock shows 9:16
